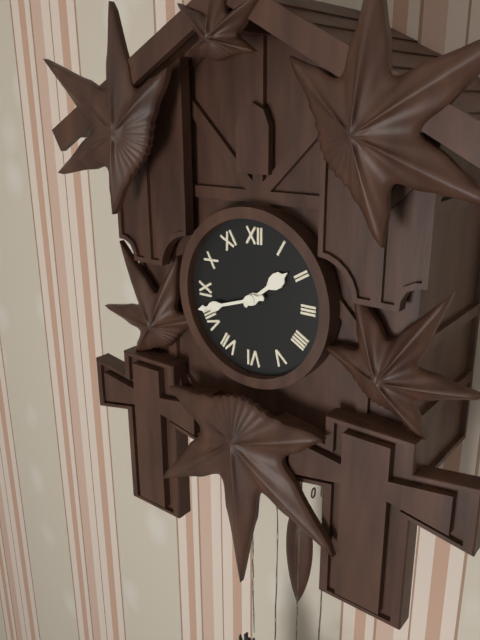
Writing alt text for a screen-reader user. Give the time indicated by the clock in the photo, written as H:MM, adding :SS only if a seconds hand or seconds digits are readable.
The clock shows 1:42
